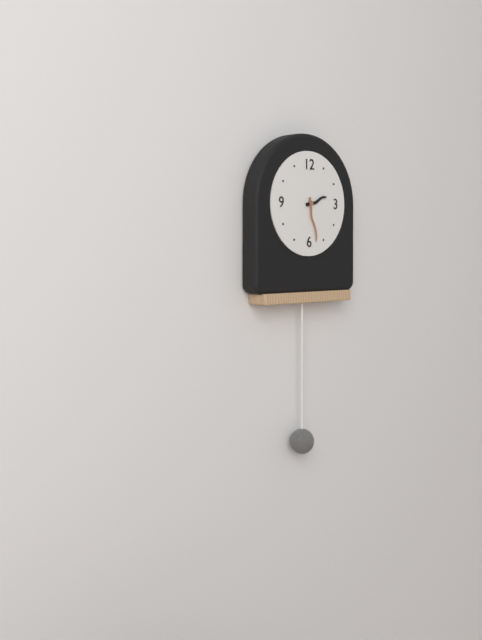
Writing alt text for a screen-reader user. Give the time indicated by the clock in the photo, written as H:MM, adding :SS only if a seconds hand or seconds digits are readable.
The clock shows 2:28
